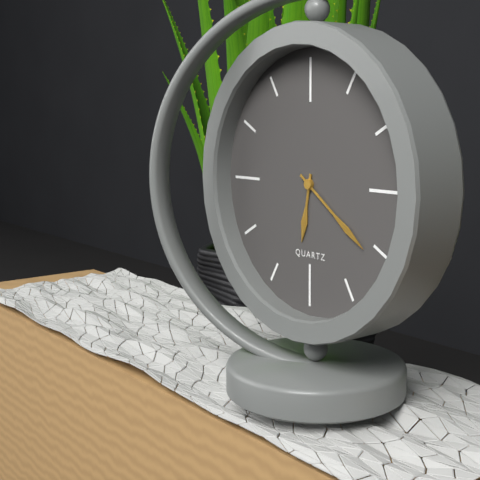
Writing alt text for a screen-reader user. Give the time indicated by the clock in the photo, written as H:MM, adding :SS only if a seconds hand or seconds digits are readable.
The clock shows 6:21
